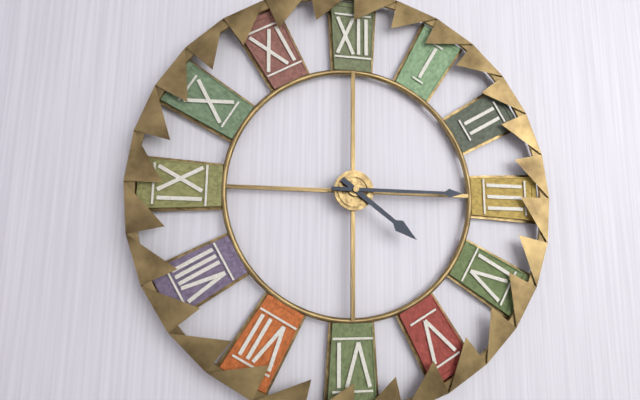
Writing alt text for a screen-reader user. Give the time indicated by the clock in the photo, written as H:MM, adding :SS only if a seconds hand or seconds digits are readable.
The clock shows 4:15
